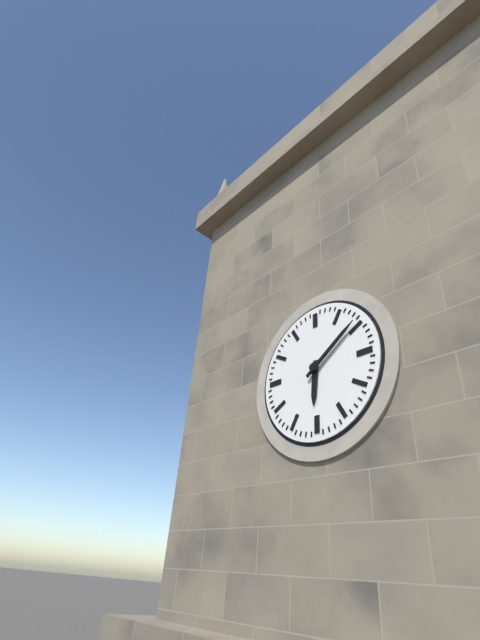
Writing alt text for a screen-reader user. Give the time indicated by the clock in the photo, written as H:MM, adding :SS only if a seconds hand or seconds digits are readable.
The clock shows 6:09
